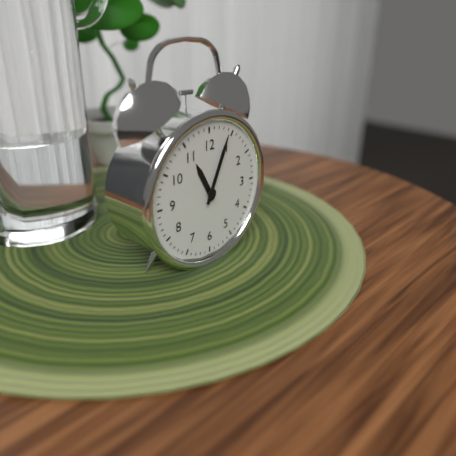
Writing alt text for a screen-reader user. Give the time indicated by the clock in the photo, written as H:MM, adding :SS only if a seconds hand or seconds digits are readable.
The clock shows 11:04
